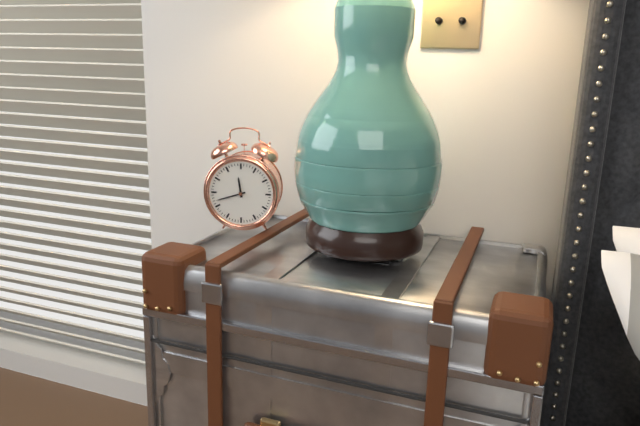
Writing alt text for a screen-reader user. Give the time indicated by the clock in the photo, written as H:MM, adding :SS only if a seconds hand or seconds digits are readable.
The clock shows 11:42
